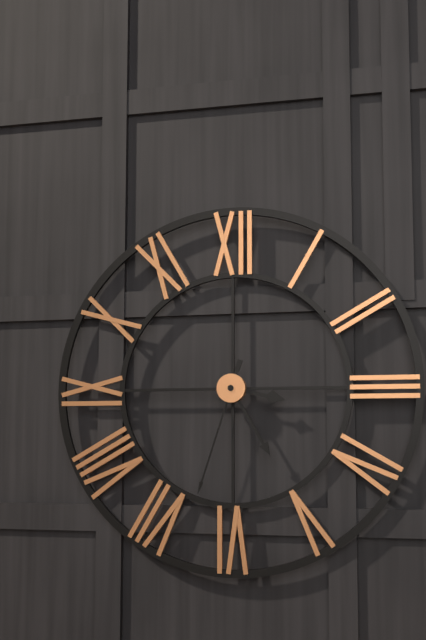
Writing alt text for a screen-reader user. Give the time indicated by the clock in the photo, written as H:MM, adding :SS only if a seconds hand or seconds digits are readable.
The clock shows 3:25:33
